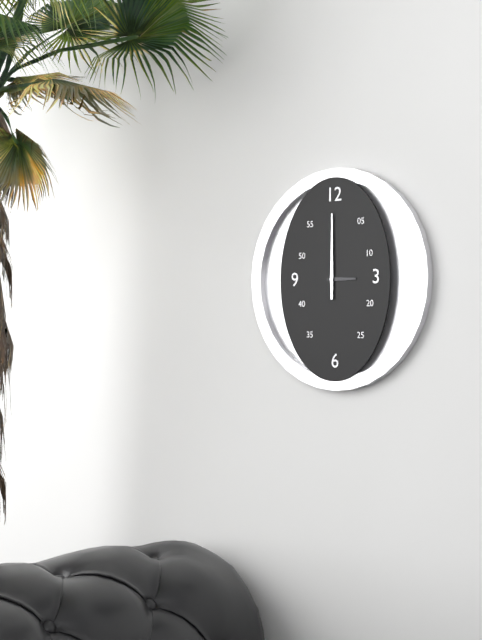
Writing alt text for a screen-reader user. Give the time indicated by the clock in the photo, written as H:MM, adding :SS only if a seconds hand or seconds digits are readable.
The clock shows 3:00
